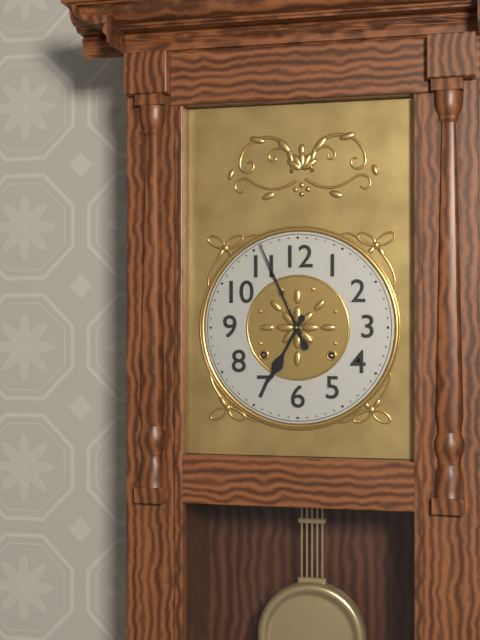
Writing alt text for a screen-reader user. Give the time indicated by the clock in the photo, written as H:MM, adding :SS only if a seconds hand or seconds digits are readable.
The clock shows 6:56
